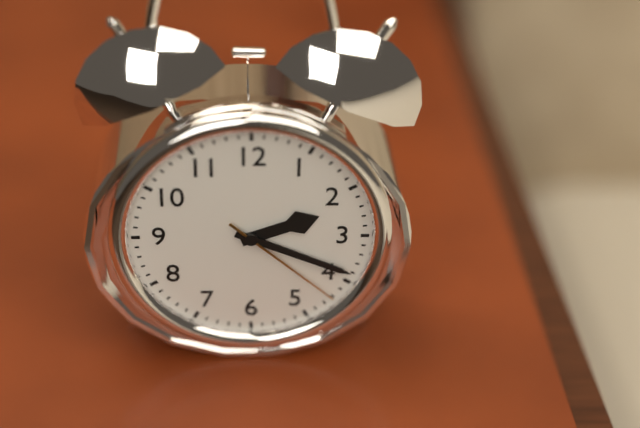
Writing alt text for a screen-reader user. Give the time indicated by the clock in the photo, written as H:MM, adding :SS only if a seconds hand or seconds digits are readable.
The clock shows 2:19:22
